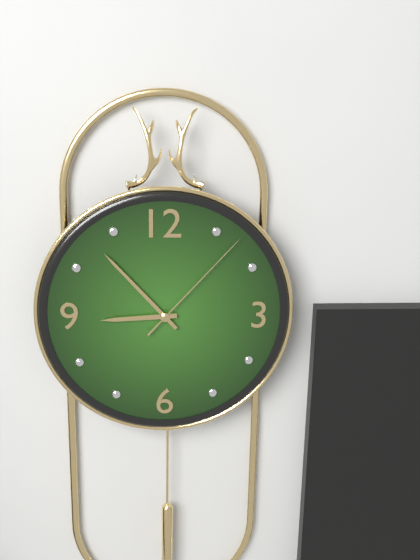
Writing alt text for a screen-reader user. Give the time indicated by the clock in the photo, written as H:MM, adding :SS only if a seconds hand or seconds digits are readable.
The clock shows 8:53:07
